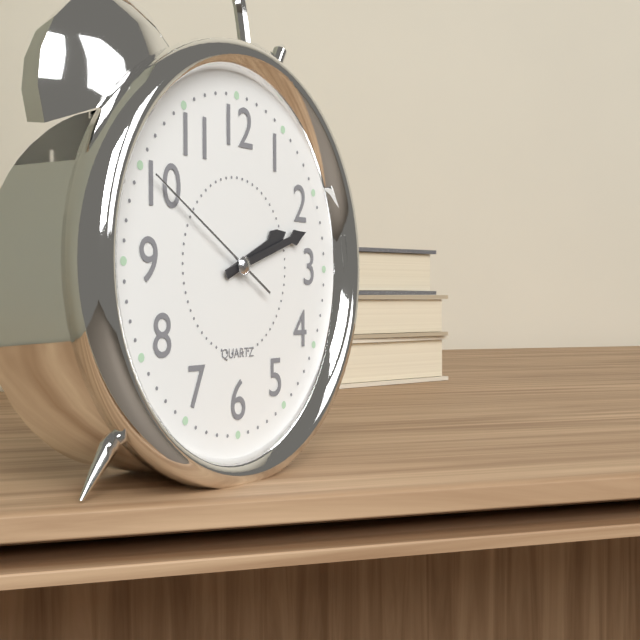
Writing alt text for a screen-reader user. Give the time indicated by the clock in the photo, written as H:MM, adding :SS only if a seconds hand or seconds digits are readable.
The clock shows 2:12:50
